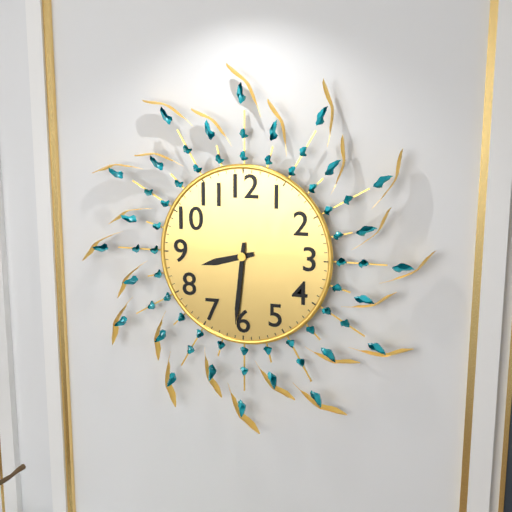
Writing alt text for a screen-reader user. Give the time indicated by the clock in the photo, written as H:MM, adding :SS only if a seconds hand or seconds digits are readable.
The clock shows 8:31
